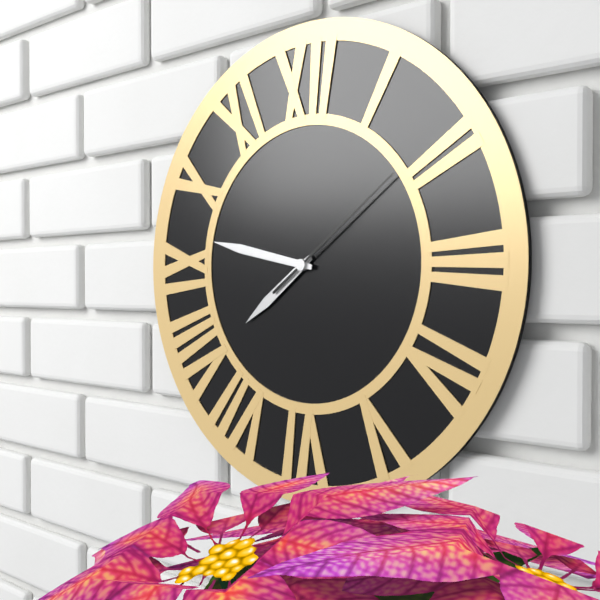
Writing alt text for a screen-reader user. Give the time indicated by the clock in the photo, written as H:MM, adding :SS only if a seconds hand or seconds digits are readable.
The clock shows 7:47:09
